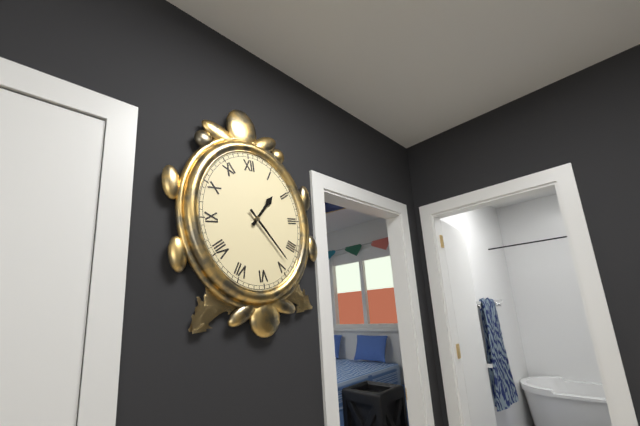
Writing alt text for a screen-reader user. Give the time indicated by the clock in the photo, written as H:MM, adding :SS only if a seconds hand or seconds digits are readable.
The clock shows 1:24
